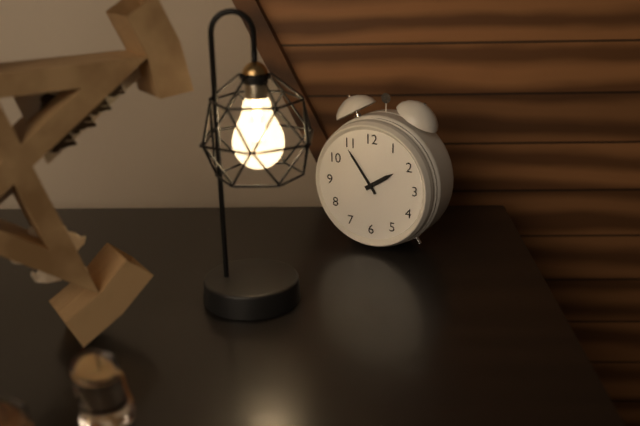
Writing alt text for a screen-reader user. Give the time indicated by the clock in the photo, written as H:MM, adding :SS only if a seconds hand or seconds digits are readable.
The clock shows 1:54
